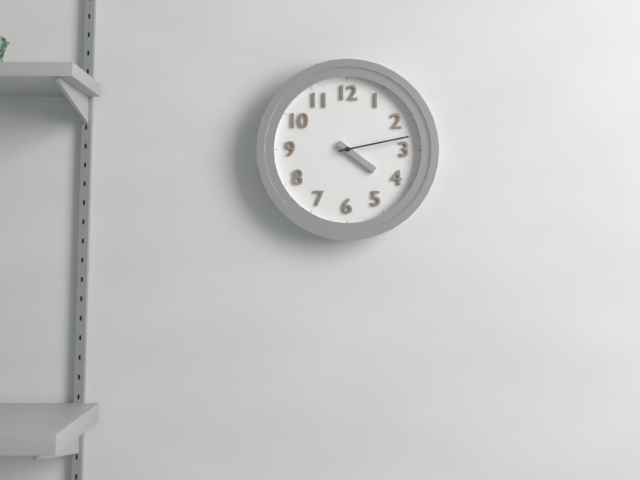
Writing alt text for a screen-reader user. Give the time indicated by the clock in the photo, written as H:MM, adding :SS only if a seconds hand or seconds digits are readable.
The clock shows 4:13
